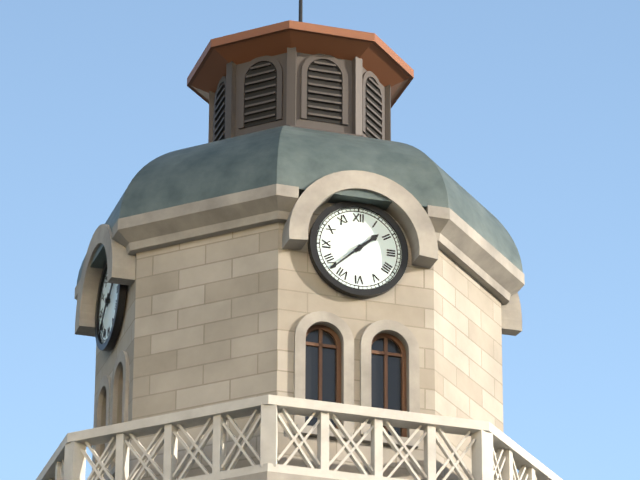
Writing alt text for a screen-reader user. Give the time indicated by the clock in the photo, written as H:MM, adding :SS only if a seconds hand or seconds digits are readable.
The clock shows 1:38
